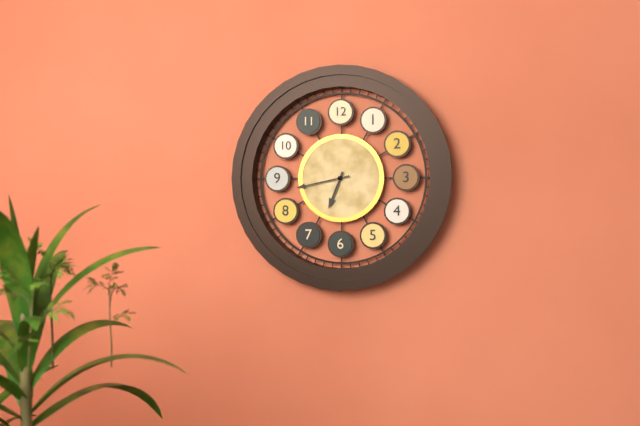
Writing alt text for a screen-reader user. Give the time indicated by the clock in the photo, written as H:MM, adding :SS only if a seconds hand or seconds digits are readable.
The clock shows 6:43
